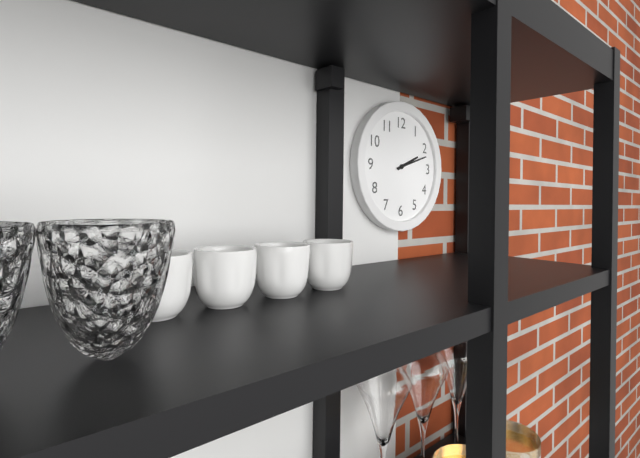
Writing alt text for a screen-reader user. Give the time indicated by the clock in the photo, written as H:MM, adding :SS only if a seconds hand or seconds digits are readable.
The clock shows 2:12
